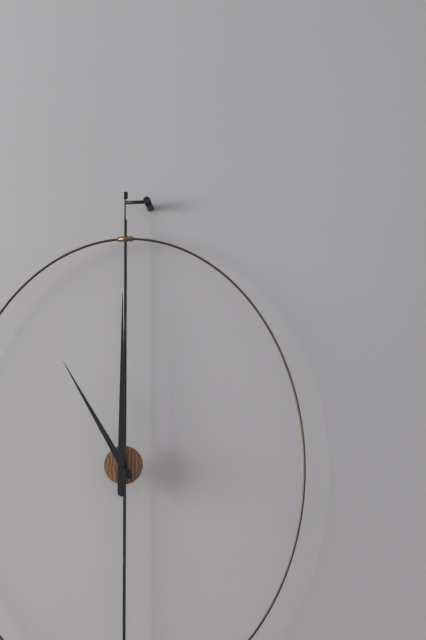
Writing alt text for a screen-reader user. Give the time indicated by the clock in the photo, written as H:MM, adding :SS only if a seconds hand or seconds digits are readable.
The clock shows 11:00
